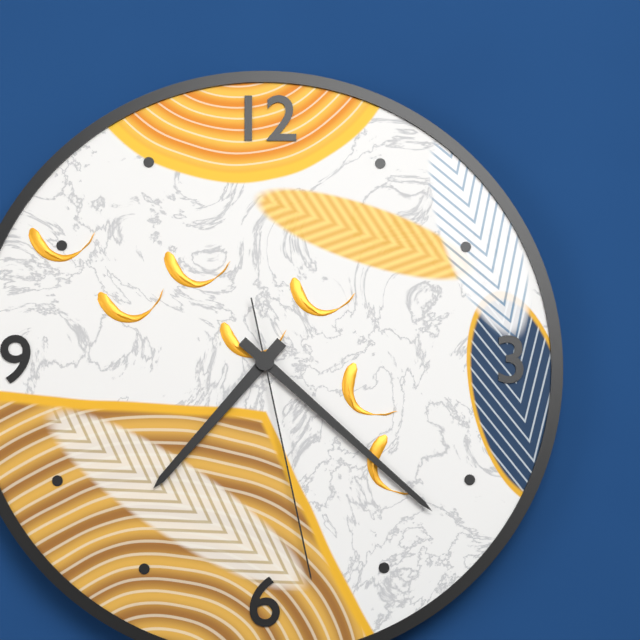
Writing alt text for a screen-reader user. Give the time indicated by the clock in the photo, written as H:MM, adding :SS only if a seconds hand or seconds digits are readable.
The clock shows 7:22:28
